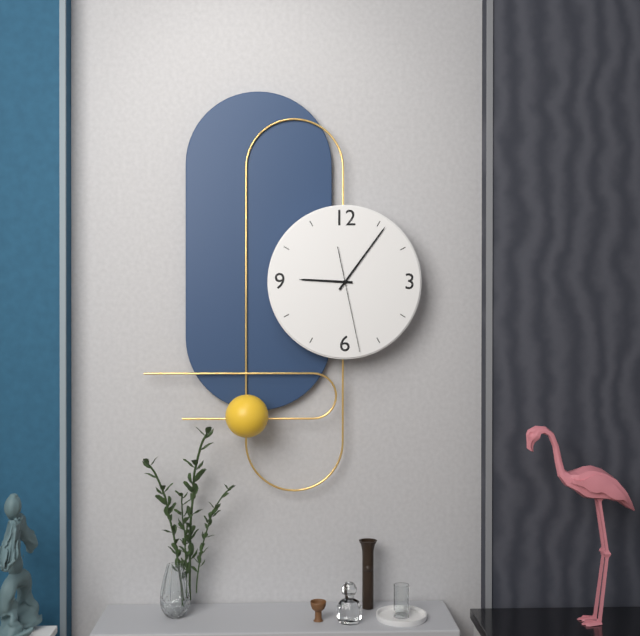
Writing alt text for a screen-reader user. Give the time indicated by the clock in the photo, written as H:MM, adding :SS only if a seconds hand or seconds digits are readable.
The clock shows 9:06:28
